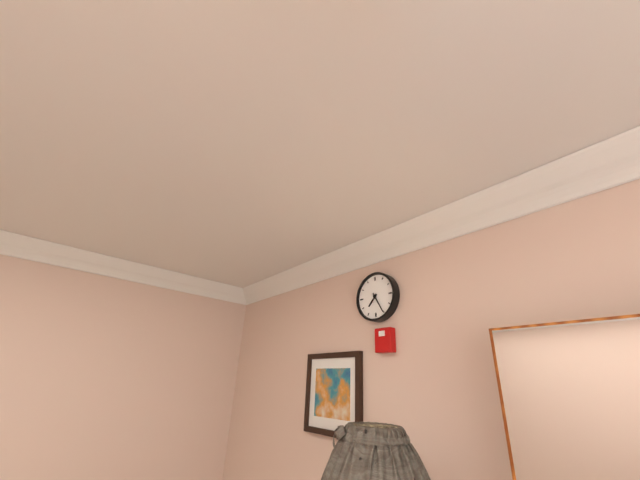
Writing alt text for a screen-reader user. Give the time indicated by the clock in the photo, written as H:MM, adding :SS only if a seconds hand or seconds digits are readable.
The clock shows 7:25
